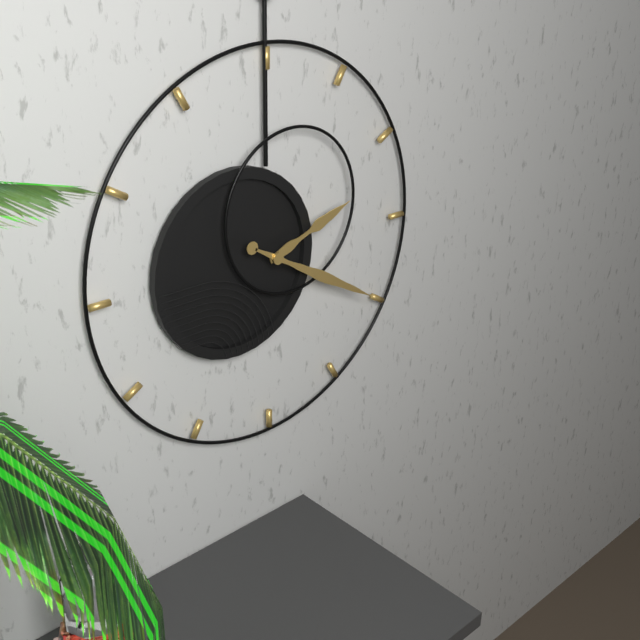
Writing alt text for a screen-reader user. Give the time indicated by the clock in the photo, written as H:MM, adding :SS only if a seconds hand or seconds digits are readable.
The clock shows 2:20
